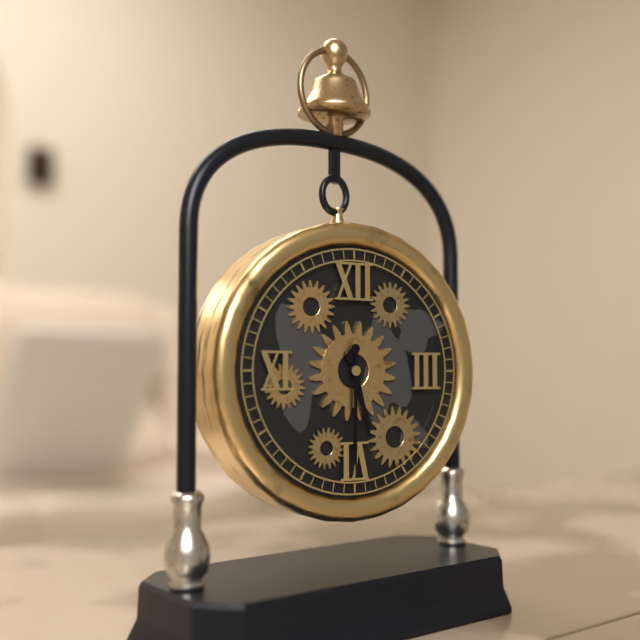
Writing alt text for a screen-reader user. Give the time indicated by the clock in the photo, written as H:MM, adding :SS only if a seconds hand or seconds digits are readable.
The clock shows 5:30
